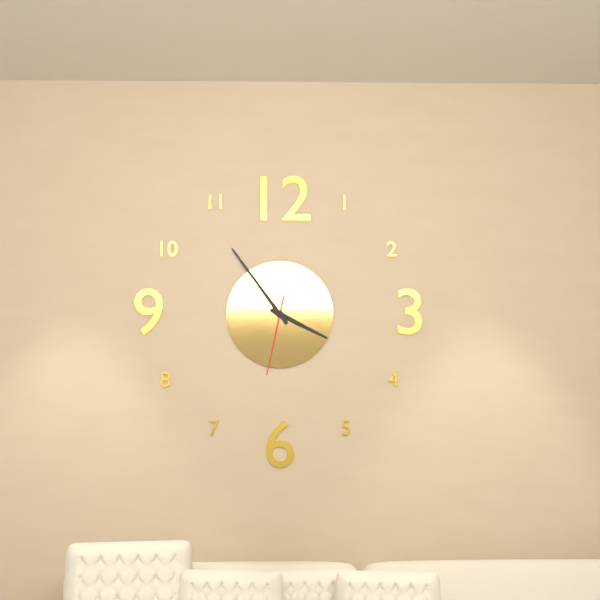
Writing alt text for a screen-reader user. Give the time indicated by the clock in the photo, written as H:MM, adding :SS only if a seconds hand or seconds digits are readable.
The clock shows 3:54:32
